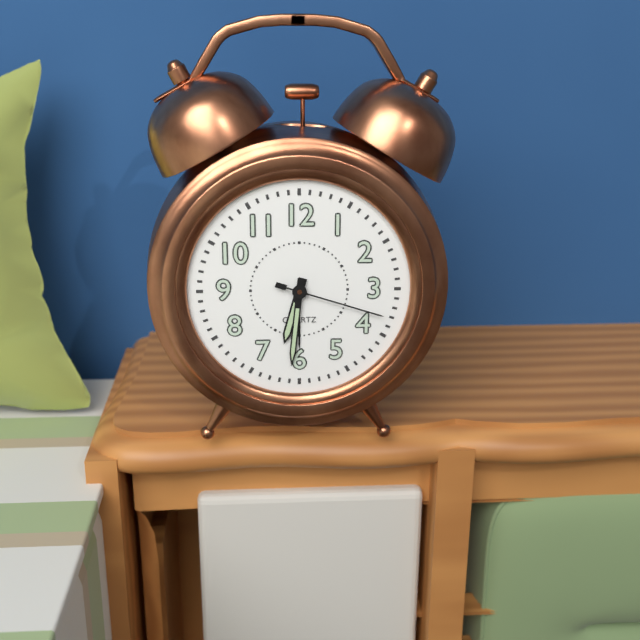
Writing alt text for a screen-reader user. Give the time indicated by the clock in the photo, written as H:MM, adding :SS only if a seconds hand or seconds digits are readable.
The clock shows 6:31:18
